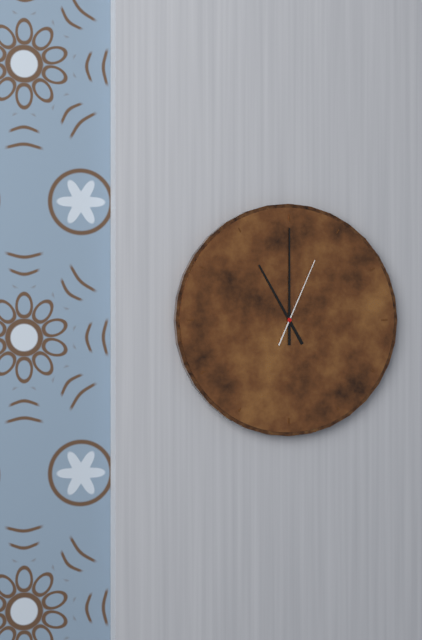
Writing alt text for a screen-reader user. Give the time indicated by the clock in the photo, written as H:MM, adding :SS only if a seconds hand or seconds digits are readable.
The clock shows 11:00:04
